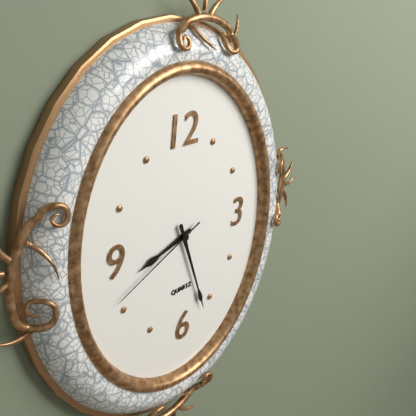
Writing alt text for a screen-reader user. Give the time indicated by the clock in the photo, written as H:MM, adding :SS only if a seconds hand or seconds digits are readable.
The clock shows 8:27:41
